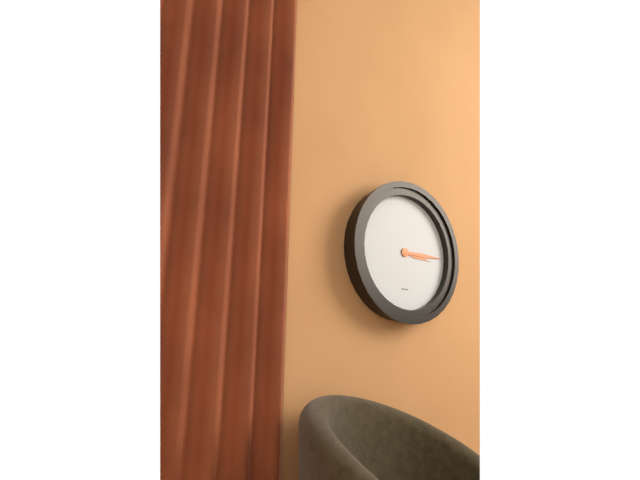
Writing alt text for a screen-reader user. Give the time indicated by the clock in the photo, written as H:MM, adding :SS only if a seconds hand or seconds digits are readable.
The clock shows 3:15
